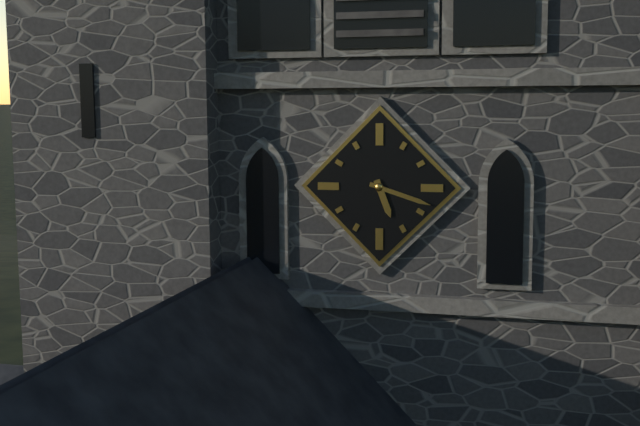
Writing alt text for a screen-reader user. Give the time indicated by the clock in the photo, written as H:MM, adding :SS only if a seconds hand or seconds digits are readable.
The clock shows 5:18
